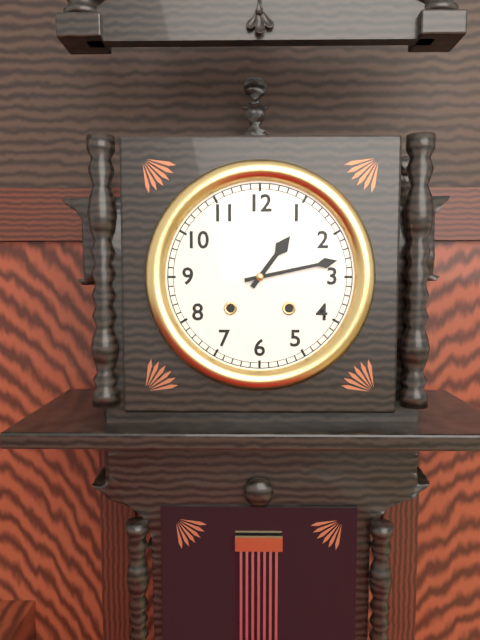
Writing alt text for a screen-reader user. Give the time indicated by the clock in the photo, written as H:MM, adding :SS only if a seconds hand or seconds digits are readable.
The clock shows 1:13
